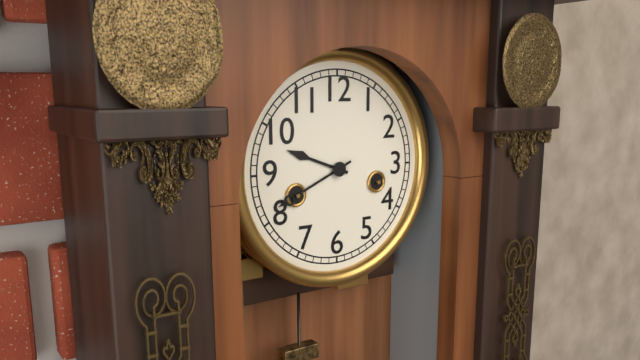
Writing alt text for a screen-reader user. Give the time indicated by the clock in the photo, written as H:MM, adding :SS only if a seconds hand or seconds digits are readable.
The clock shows 9:41
